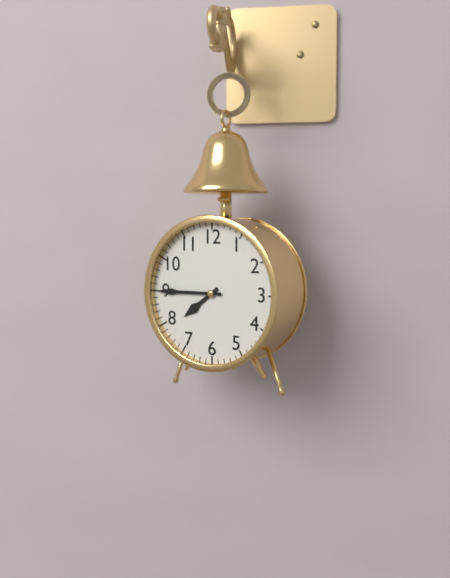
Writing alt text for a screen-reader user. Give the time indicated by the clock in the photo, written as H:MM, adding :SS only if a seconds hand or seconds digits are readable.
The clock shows 7:45
